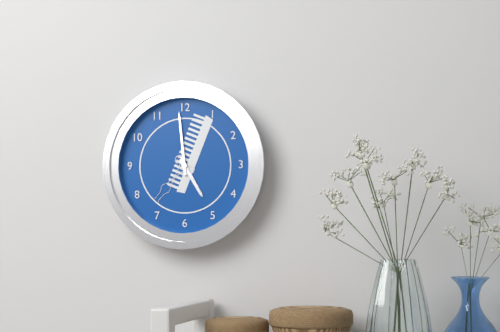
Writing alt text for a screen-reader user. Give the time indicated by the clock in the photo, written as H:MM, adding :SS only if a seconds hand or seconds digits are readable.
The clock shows 4:59
